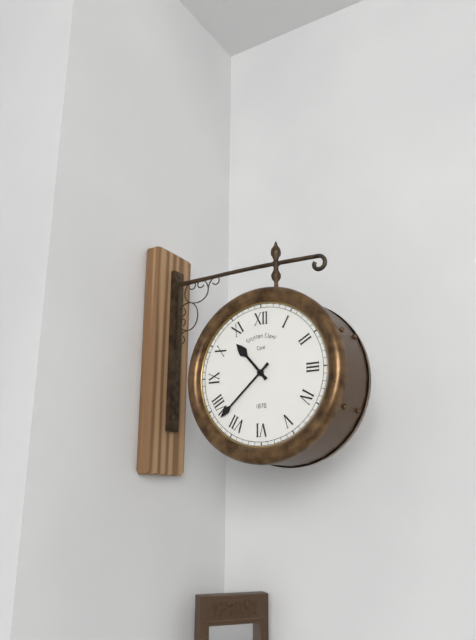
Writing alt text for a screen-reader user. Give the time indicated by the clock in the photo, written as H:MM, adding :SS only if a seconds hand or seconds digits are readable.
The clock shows 10:38
